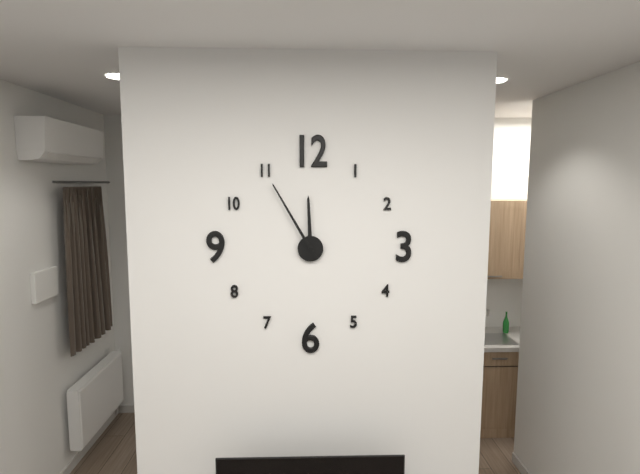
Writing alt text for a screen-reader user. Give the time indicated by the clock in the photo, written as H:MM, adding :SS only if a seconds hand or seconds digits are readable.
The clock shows 11:55
